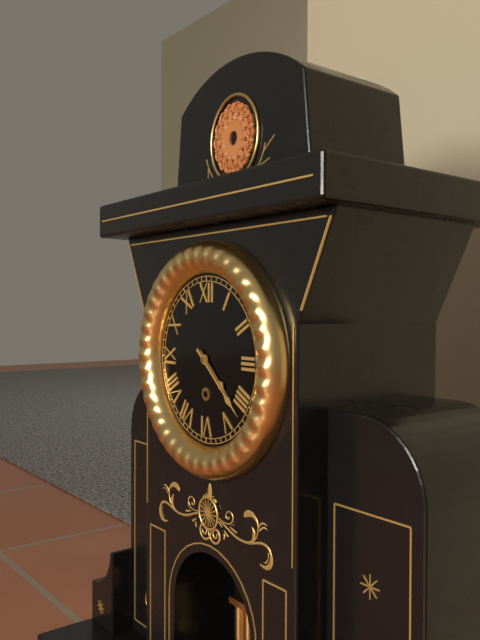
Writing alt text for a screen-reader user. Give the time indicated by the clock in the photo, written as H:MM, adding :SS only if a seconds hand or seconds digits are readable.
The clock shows 4:22
